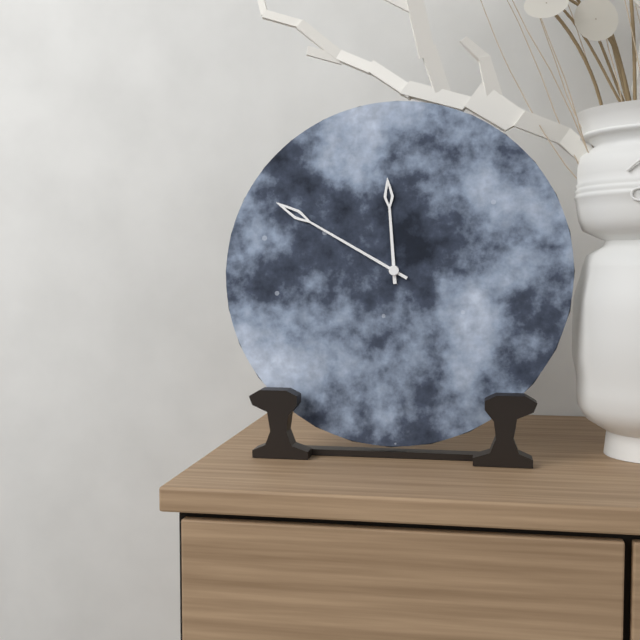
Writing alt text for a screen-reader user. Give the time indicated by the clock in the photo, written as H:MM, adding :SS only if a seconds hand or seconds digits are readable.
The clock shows 11:50
